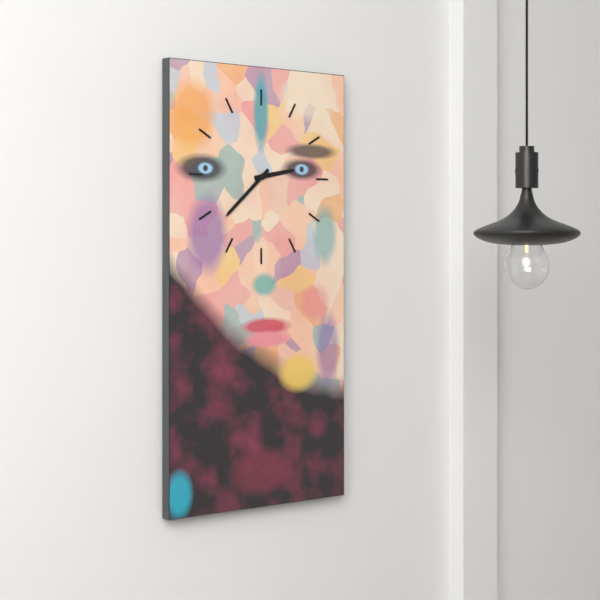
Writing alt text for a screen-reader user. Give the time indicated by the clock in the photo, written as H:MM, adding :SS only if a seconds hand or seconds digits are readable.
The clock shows 2:38
